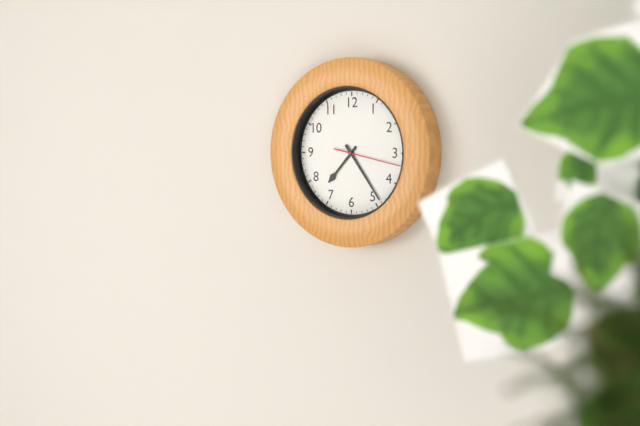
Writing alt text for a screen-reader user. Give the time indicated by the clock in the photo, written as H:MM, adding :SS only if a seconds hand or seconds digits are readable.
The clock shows 7:24:17
